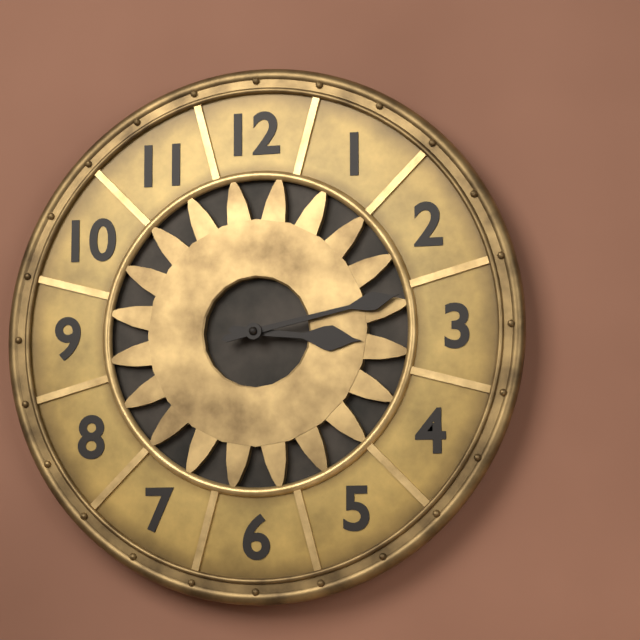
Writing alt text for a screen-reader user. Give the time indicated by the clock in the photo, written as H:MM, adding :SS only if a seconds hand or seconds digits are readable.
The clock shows 3:13
